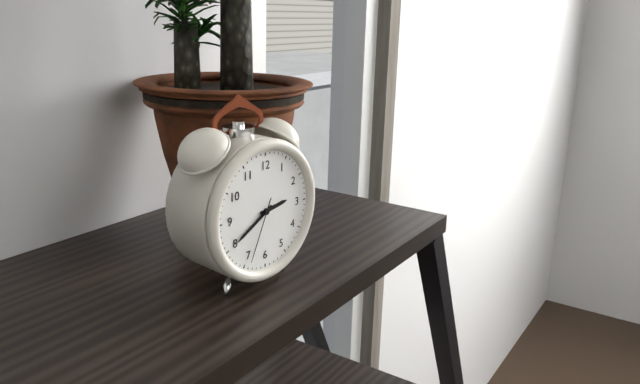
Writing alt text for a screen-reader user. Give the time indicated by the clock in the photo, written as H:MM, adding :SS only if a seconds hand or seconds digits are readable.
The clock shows 2:40:34
